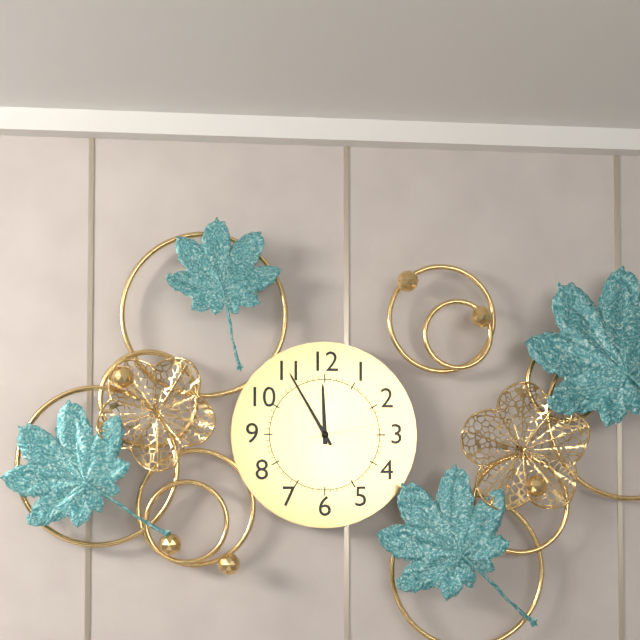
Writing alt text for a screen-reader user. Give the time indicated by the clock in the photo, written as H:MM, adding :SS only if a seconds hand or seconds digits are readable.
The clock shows 11:55:13
